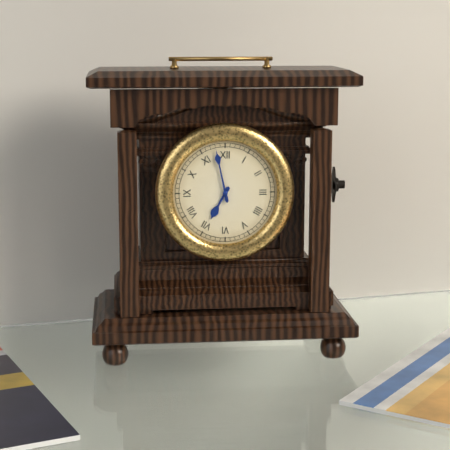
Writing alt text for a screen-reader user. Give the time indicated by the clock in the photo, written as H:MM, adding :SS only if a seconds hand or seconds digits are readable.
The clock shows 6:58
